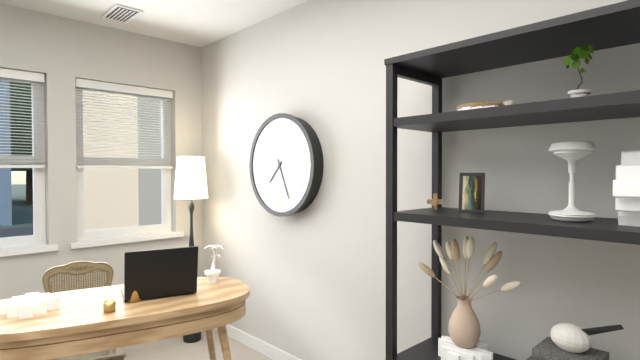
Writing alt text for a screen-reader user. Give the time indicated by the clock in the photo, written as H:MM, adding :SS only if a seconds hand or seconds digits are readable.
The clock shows 7:26
